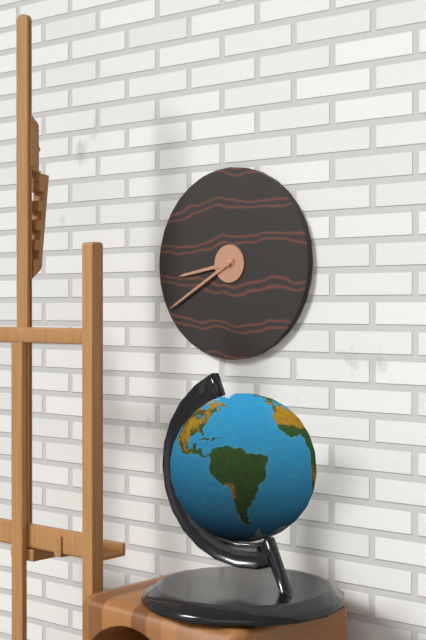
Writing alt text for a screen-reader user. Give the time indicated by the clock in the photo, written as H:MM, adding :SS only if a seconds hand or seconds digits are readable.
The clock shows 8:40
